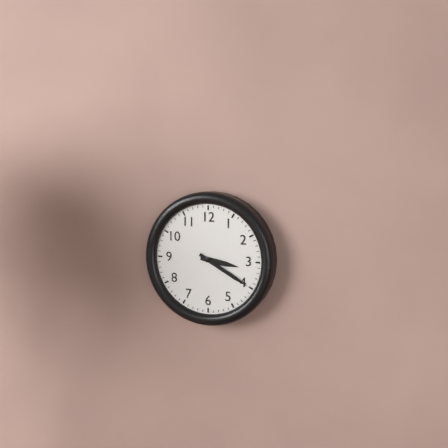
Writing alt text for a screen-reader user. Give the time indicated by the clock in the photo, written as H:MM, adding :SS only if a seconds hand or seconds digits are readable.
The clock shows 3:20
